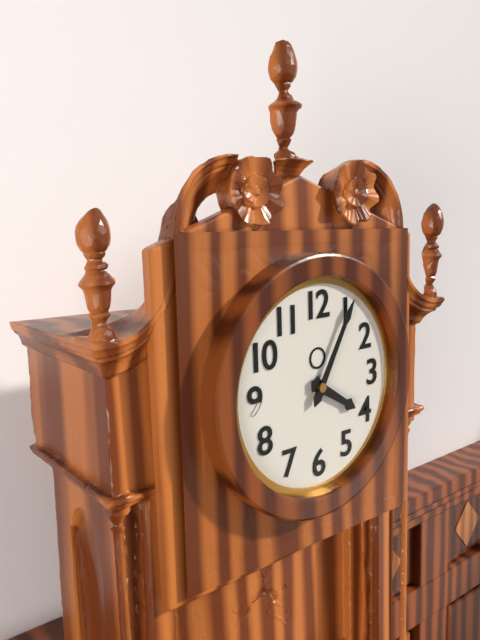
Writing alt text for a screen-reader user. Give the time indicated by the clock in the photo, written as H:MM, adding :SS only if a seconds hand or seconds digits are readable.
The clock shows 4:05
